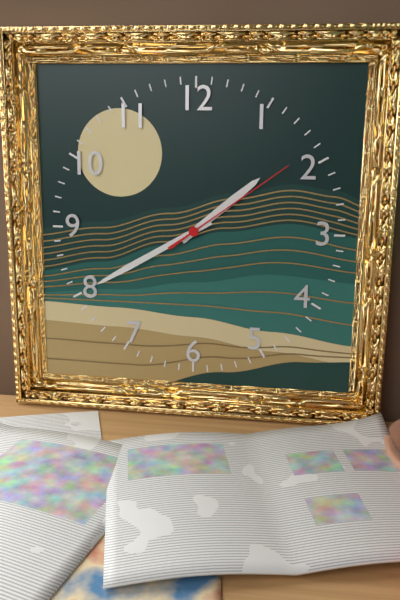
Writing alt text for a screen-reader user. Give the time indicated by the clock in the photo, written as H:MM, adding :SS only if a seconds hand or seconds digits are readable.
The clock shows 1:40:09
